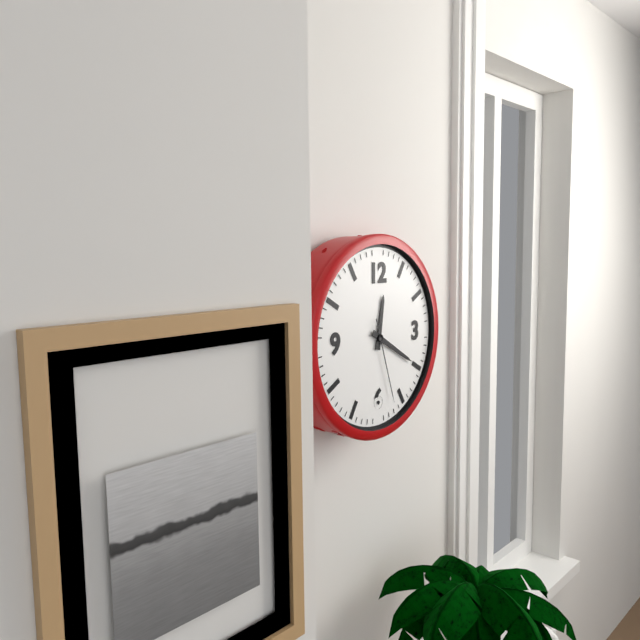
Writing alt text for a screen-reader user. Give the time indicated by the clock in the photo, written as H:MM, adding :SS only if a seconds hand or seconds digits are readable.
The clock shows 12:20:27
